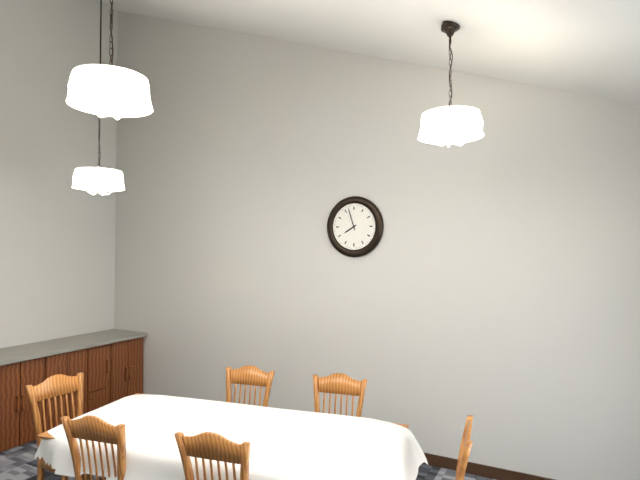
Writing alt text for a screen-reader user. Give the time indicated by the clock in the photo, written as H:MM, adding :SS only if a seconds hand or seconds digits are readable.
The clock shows 7:57
